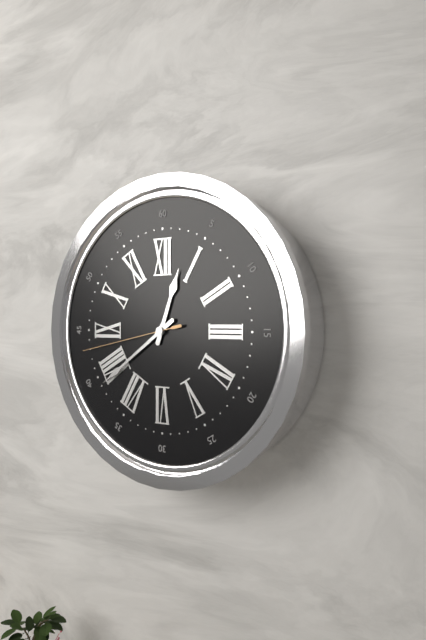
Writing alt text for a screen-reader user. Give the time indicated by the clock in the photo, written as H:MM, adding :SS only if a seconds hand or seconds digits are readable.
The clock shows 12:39:43
